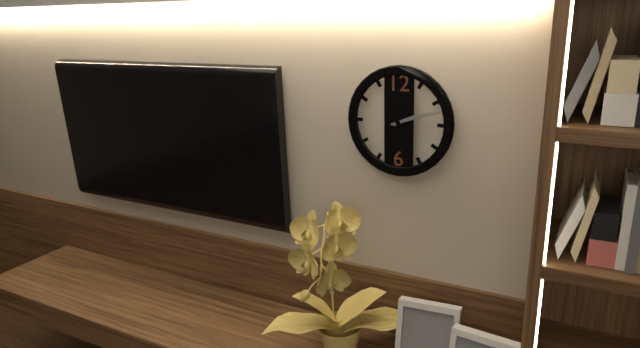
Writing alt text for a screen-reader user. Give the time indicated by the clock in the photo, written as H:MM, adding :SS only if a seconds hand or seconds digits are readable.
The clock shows 2:12
